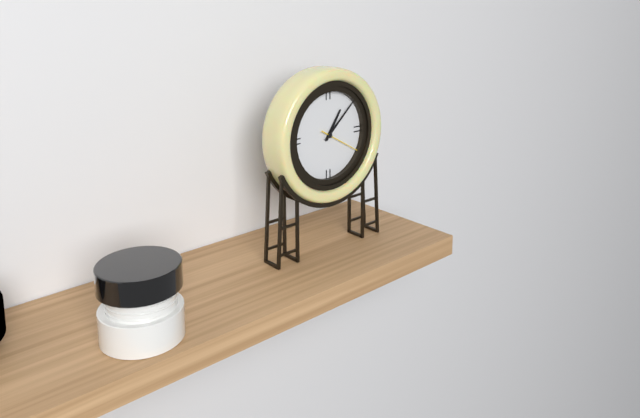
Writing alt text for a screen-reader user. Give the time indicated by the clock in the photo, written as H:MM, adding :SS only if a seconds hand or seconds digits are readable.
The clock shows 1:08
